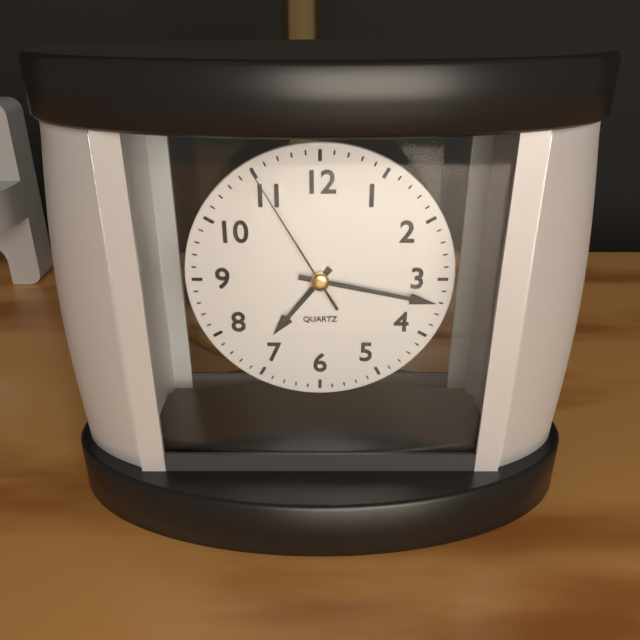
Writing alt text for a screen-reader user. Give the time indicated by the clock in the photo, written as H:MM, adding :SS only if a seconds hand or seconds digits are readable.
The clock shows 7:17:55
